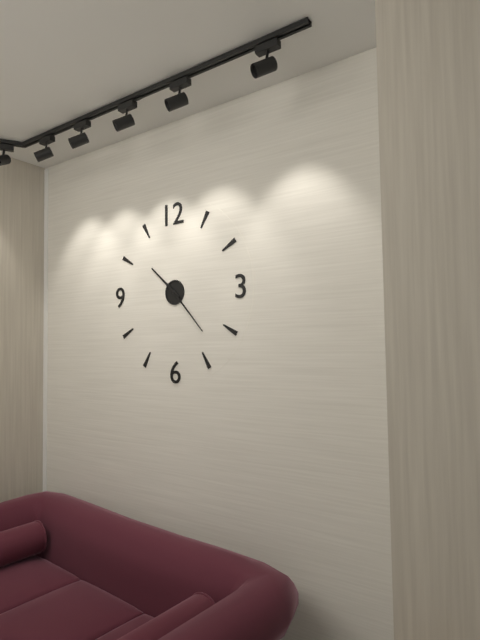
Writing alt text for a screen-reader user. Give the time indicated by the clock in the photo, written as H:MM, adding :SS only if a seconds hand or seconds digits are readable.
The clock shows 10:23
